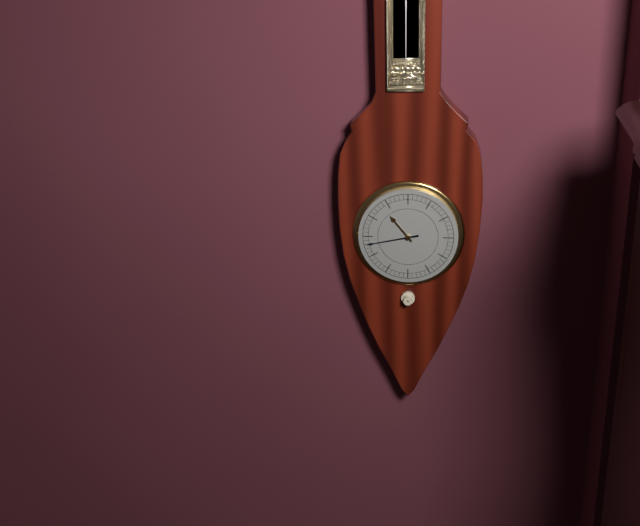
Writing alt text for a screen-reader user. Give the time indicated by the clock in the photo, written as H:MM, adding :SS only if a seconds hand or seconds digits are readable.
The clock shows 10:43
